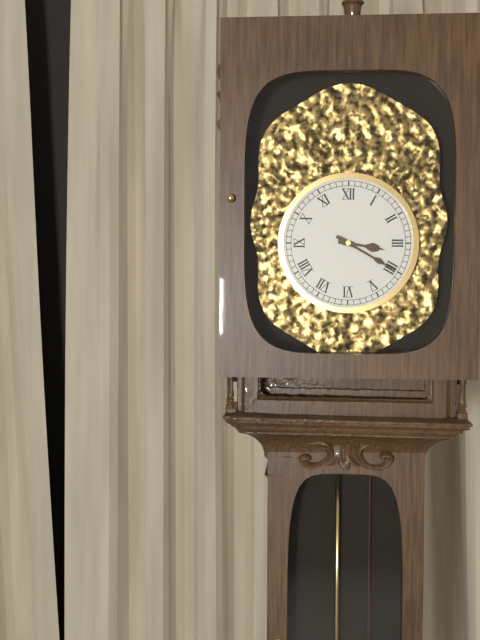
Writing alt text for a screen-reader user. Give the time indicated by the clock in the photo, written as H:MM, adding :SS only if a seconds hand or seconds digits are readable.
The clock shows 3:20
